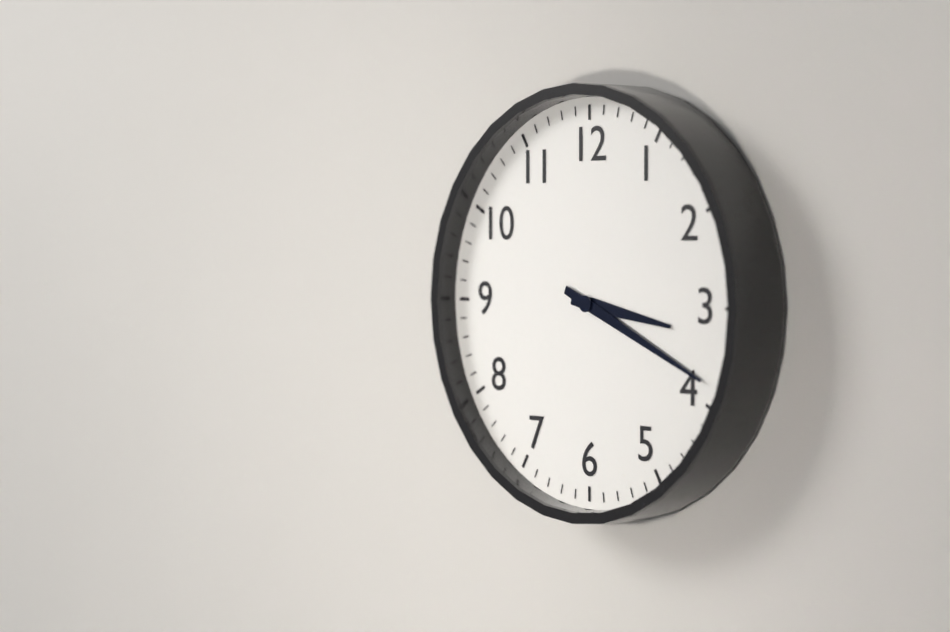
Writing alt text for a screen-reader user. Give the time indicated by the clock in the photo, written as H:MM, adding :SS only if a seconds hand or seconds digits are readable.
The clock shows 3:19
